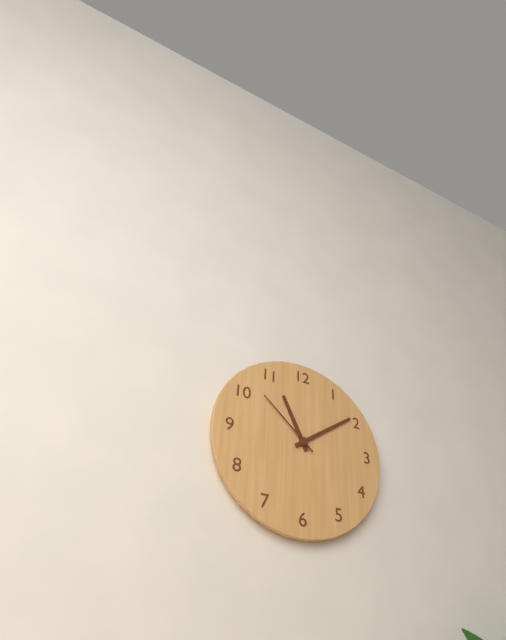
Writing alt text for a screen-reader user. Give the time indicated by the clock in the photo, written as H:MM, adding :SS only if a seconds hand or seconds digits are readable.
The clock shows 11:09:52
